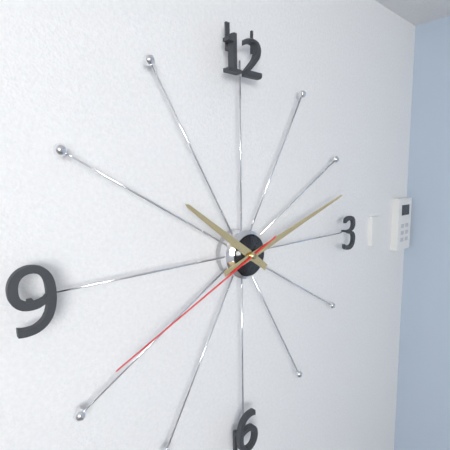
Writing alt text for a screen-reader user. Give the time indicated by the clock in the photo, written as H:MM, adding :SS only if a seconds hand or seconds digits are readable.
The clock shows 10:12:41
